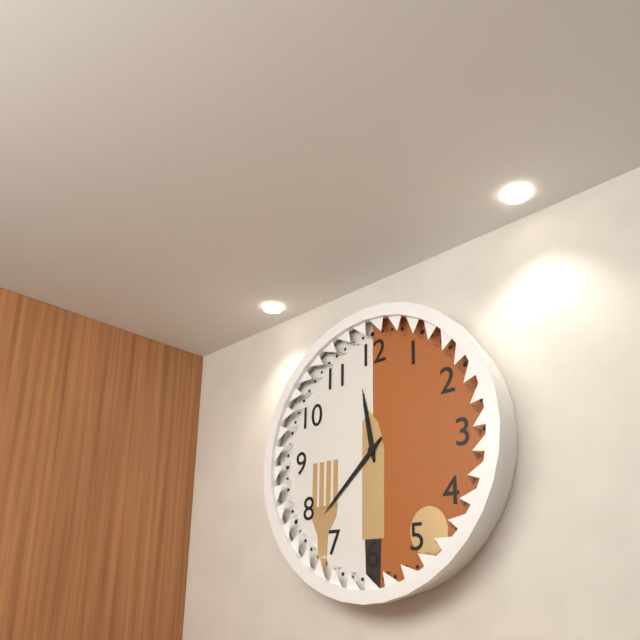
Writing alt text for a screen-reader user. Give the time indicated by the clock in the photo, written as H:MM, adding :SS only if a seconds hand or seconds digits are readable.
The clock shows 11:38
